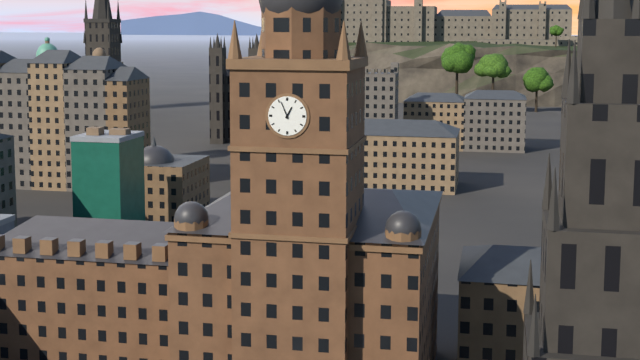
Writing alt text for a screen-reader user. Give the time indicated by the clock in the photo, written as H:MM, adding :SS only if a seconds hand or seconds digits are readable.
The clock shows 12:56
